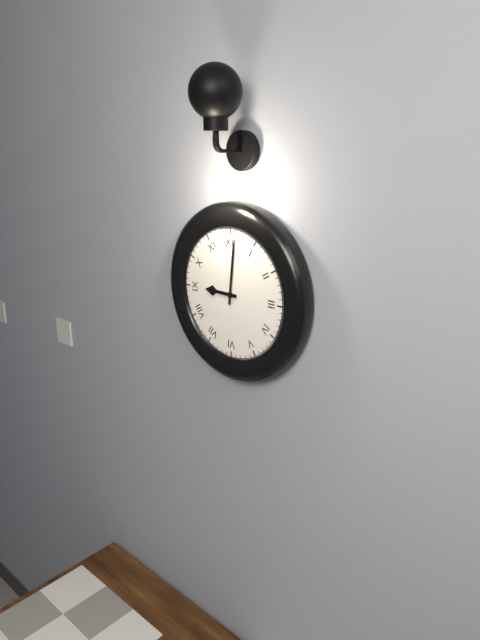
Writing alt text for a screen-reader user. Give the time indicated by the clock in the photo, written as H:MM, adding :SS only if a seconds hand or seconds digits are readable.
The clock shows 9:01
